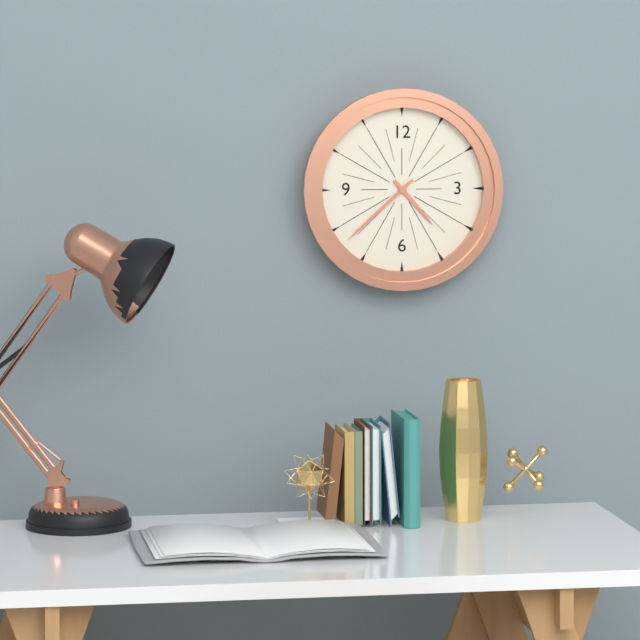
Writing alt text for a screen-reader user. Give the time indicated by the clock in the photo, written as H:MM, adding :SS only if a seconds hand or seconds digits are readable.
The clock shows 4:38
